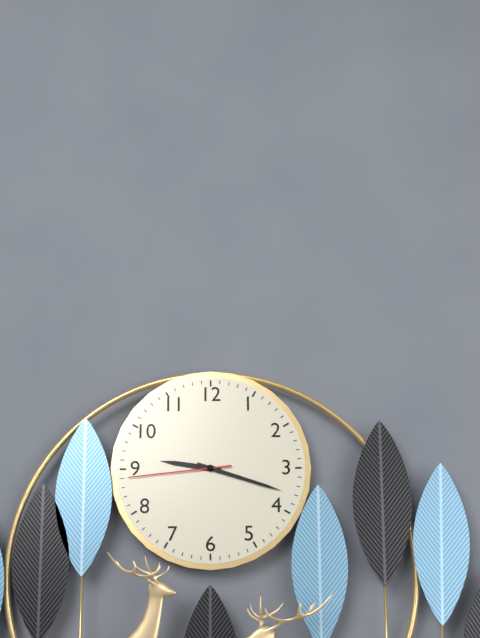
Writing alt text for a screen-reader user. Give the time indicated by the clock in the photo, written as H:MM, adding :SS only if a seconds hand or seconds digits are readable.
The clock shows 9:18:44
